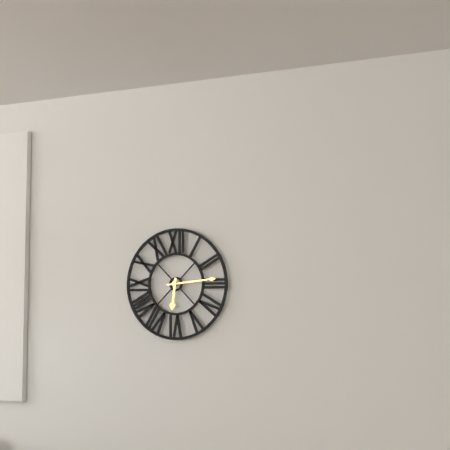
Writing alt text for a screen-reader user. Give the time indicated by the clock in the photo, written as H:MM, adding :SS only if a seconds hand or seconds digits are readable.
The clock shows 6:14
